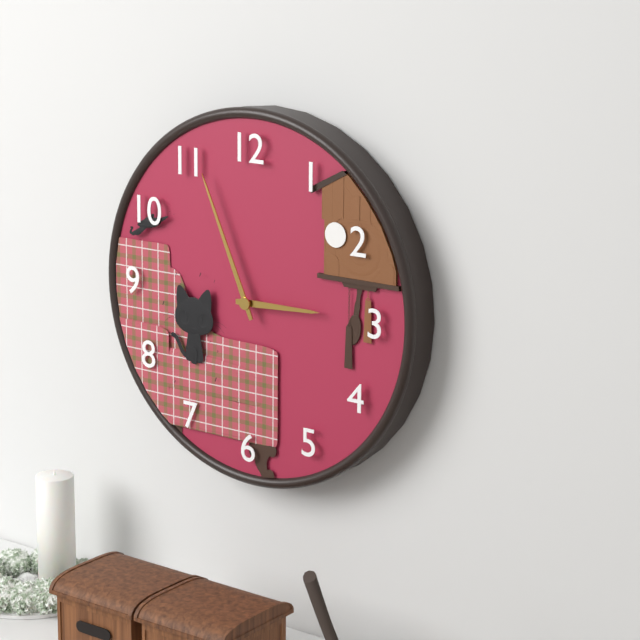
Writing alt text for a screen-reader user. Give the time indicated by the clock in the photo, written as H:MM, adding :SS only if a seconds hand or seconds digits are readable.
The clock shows 2:56
